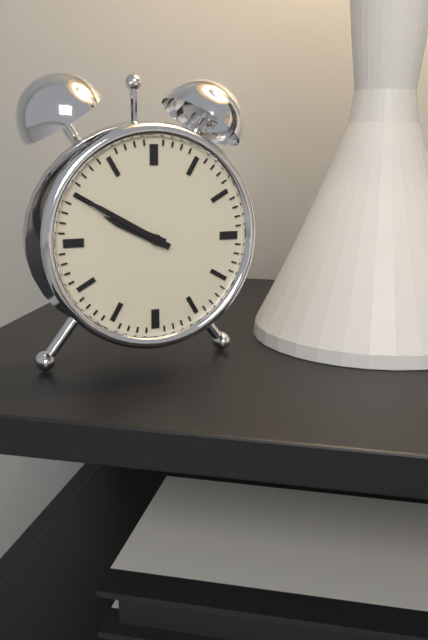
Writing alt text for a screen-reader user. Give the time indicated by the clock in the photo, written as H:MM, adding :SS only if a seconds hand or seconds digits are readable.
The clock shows 9:50
